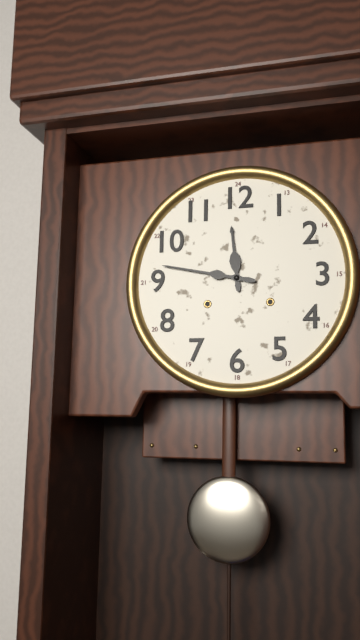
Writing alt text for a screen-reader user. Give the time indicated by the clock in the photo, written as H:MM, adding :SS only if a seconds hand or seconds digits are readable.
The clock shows 11:47
